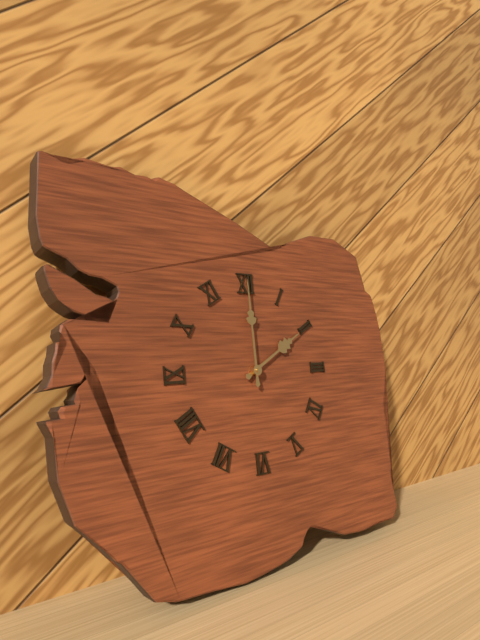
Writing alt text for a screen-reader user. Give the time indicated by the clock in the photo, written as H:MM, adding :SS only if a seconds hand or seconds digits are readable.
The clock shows 2:00
